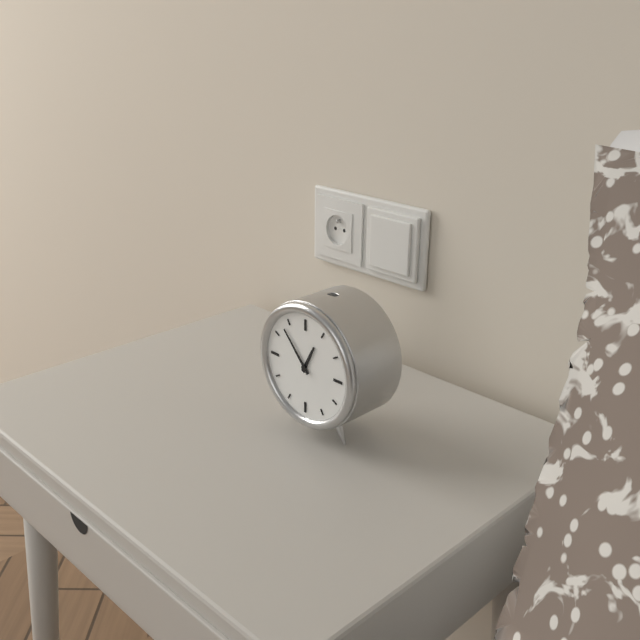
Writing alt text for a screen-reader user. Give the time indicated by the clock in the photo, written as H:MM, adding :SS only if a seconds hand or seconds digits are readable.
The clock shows 12:53
